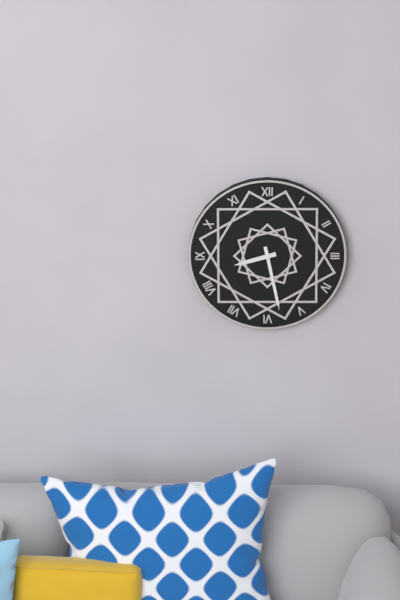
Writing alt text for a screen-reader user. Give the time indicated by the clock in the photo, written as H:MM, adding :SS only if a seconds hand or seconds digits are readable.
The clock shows 8:28
